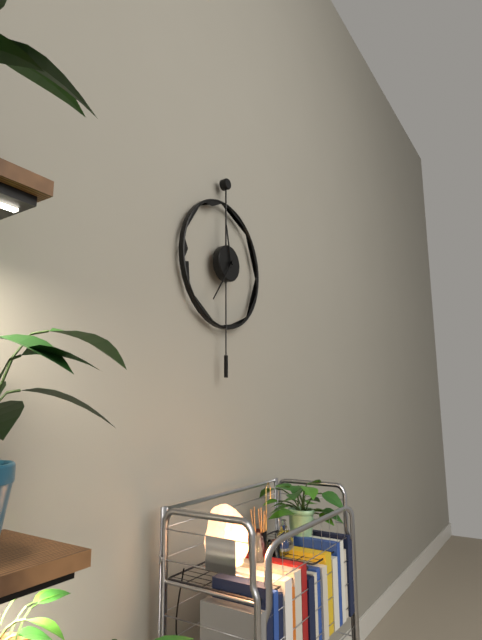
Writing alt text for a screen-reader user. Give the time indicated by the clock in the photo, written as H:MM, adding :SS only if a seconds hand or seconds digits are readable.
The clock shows 11:36
